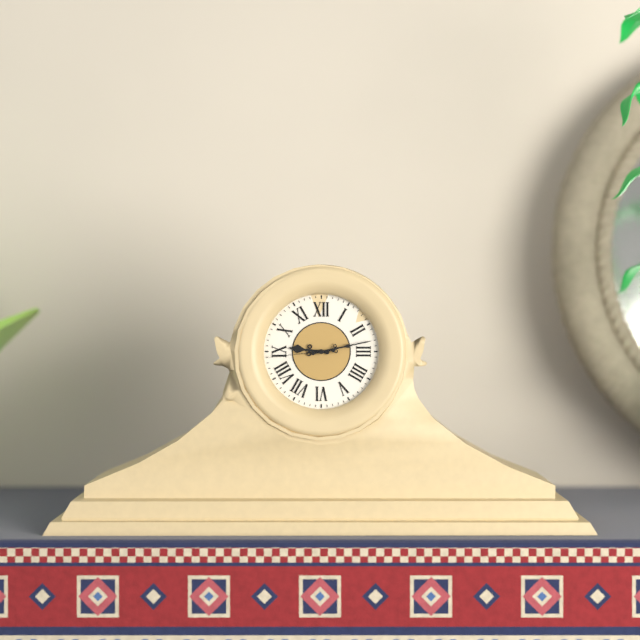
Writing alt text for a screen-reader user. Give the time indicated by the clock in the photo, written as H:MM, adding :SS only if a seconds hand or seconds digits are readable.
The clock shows 9:13:44
